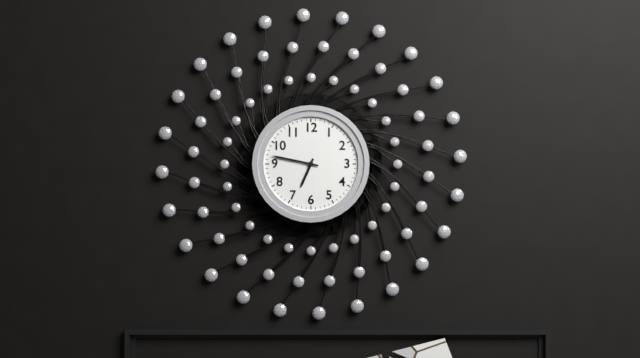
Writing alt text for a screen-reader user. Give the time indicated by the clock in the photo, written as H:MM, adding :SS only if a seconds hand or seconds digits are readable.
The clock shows 6:47
